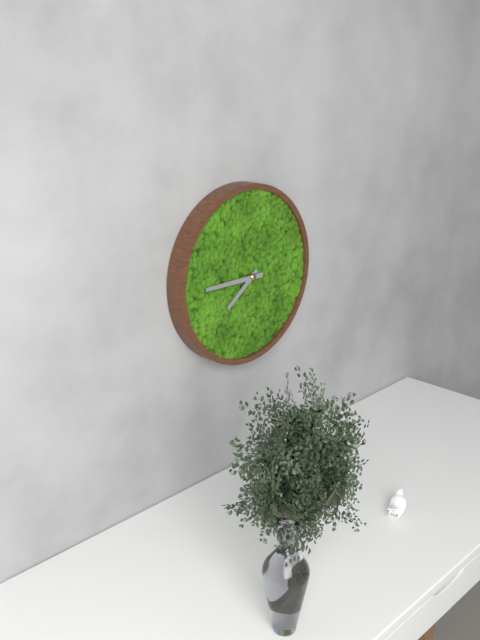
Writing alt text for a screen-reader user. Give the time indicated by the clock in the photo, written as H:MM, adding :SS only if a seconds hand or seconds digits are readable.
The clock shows 7:45
